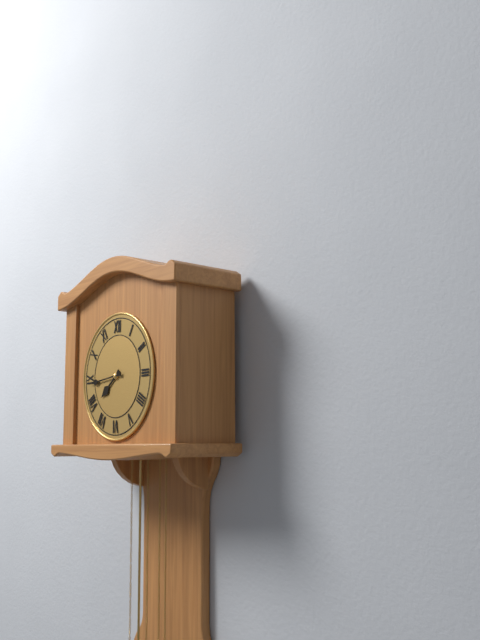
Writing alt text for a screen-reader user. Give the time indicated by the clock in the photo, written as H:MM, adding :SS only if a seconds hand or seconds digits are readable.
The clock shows 7:44
